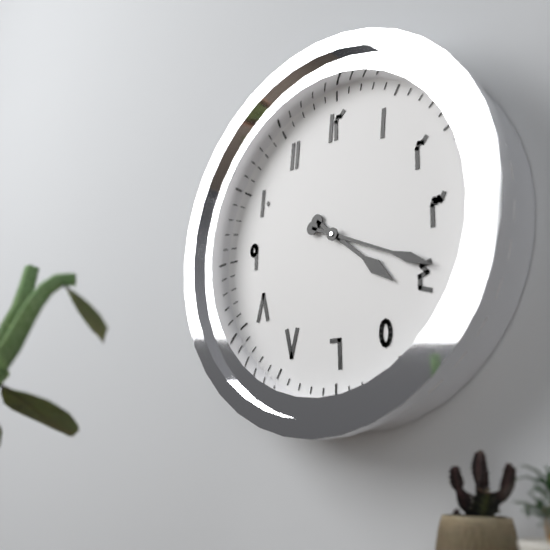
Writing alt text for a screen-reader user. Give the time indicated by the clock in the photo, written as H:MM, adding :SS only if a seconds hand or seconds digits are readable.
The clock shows 4:19
